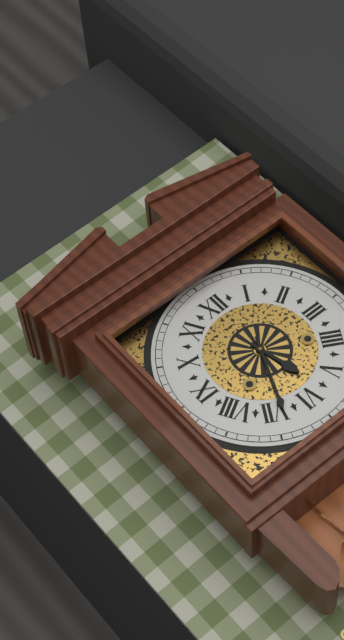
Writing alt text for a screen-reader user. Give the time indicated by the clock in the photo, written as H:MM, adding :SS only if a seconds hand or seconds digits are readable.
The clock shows 5:34
